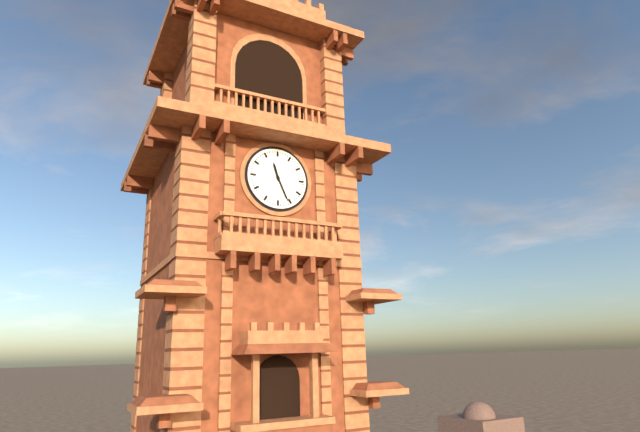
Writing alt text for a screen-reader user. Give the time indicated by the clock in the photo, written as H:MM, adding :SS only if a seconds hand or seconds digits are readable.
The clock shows 11:26
